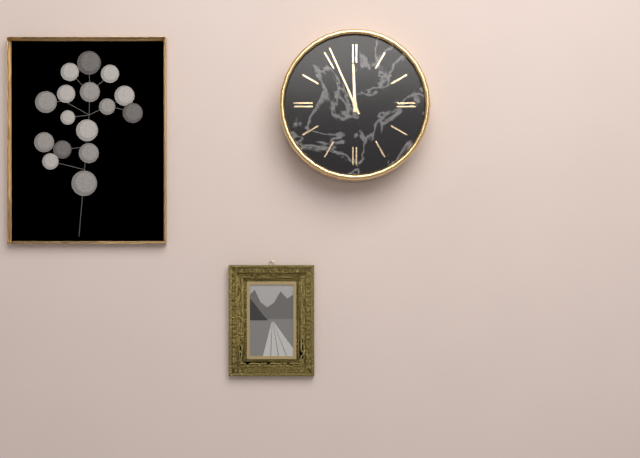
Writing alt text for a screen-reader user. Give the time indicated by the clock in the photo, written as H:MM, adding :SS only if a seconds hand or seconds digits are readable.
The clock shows 11:56
